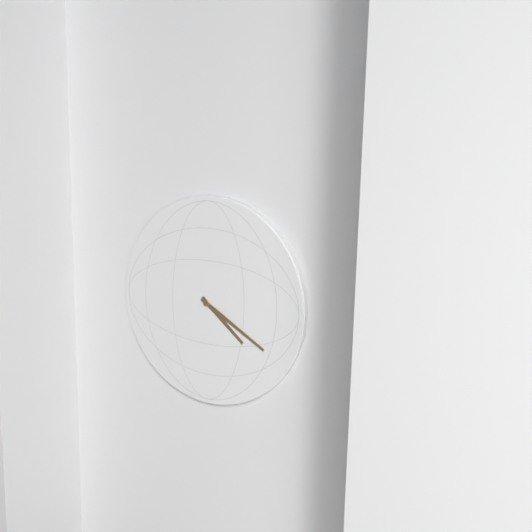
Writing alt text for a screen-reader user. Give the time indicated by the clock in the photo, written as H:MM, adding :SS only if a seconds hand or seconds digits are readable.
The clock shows 4:20
